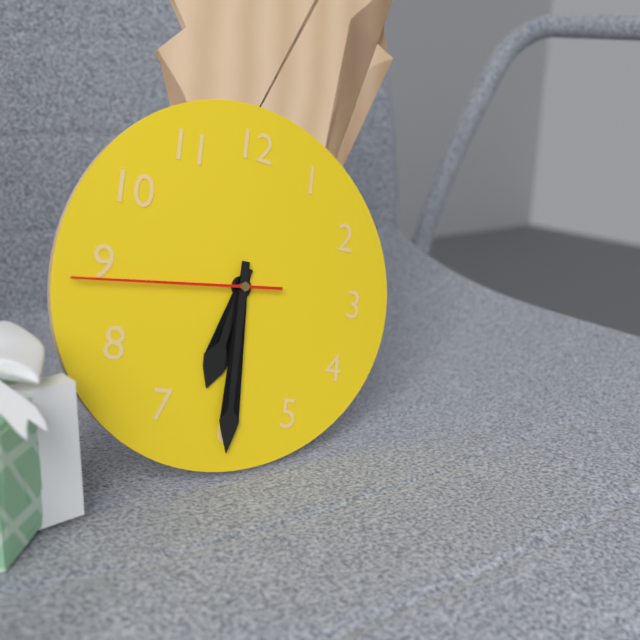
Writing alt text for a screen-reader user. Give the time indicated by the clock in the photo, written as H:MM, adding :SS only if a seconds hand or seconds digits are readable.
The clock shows 6:30:44
